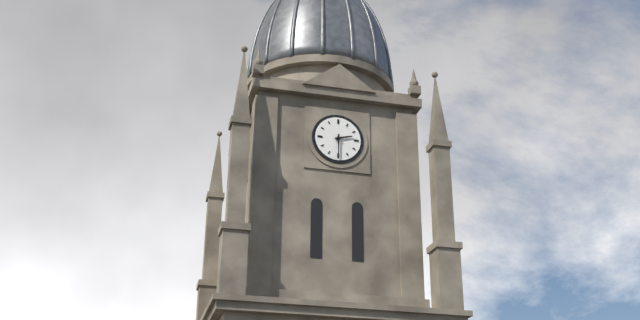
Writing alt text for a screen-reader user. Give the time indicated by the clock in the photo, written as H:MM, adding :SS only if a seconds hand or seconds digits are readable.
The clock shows 2:30
